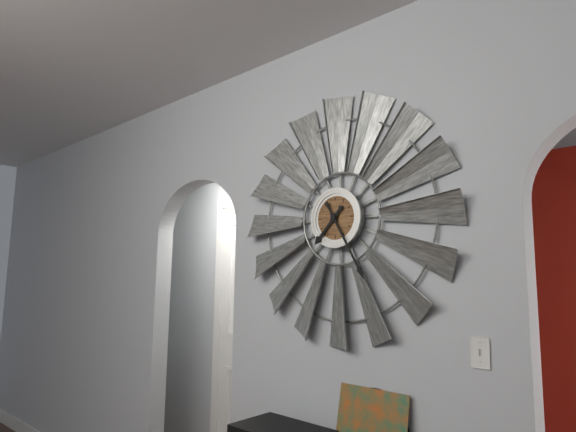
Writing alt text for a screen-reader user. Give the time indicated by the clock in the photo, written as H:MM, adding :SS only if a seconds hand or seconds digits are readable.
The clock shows 7:25
